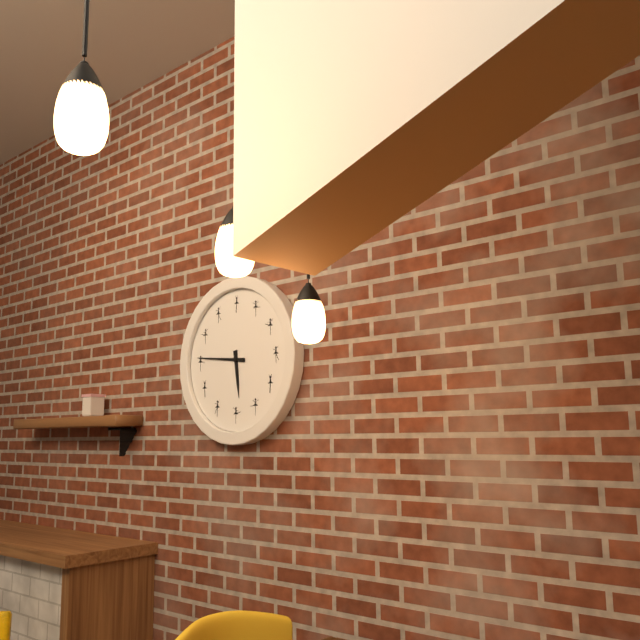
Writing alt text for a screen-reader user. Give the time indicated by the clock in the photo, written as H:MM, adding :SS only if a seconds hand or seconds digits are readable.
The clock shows 5:46
